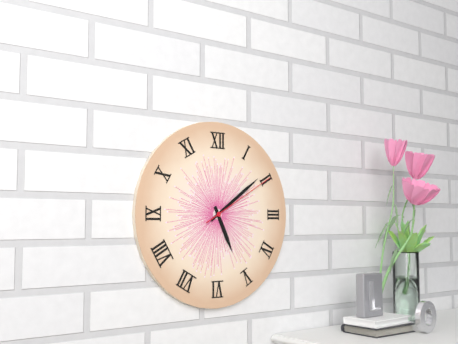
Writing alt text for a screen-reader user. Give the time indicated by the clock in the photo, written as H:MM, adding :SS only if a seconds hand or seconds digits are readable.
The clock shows 5:09:10
